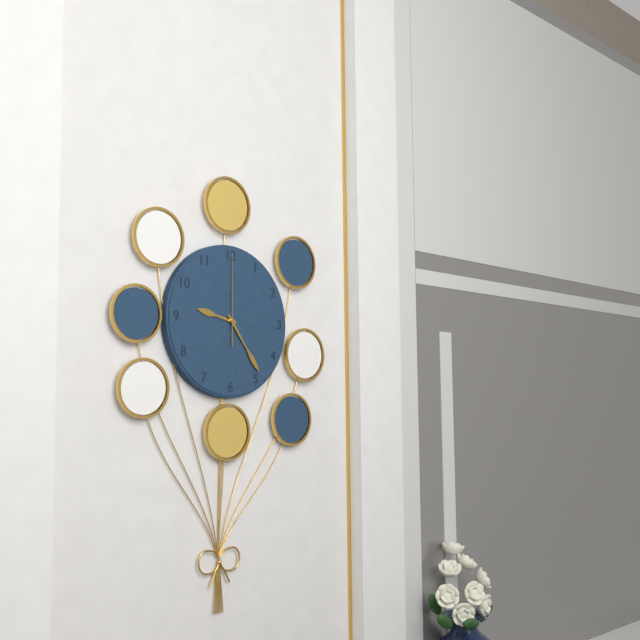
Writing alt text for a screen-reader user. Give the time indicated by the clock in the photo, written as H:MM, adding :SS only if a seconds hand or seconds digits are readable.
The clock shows 9:24:00
